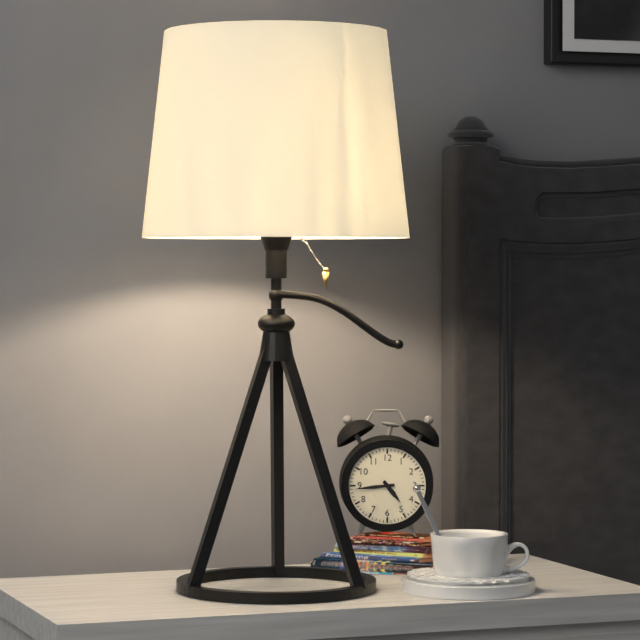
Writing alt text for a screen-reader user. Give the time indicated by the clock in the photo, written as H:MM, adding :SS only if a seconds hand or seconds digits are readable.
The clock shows 4:44
